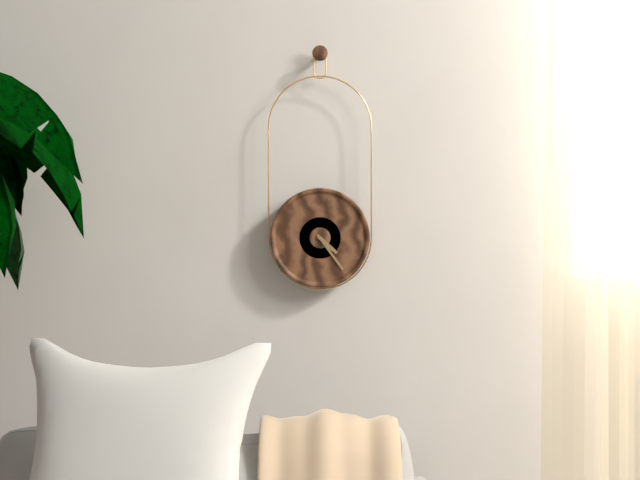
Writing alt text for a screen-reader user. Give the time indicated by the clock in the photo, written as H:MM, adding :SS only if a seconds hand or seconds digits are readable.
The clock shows 4:24
